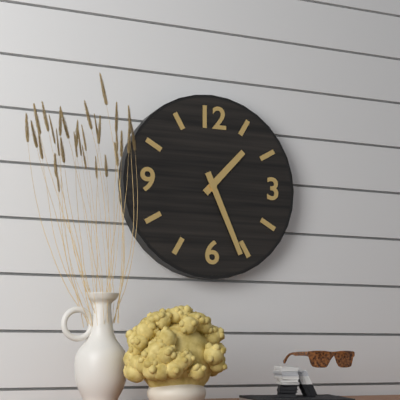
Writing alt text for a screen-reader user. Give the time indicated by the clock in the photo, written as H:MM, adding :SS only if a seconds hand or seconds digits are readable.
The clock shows 1:26
